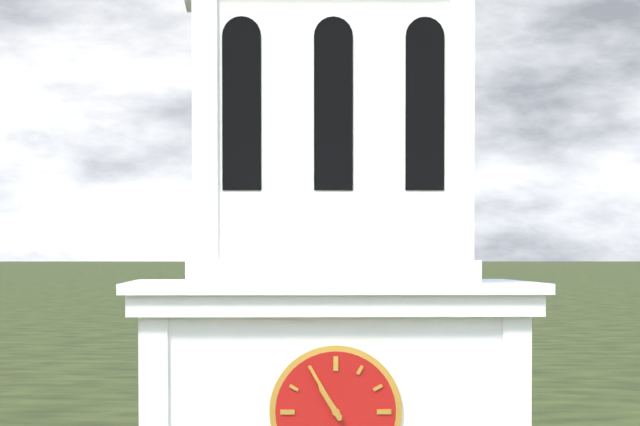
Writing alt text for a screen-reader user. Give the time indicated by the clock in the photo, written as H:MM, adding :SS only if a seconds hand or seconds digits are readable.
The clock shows 10:55
